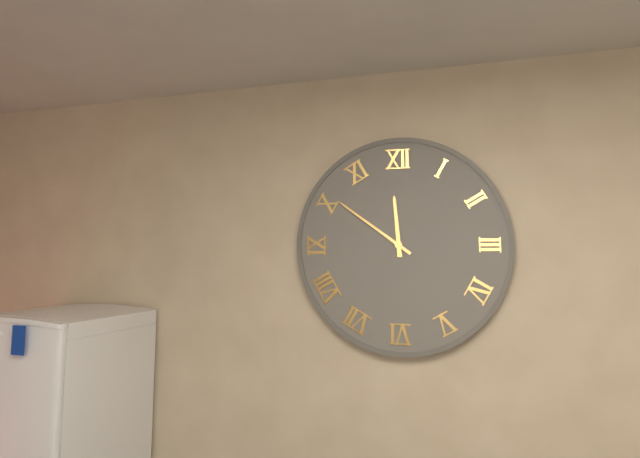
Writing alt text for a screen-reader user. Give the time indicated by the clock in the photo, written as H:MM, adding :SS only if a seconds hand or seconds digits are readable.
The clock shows 11:51
